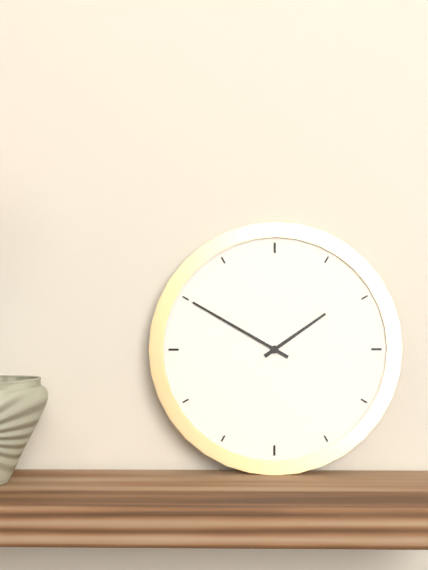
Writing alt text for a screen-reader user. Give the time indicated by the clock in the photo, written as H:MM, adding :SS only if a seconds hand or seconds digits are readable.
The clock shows 1:50
